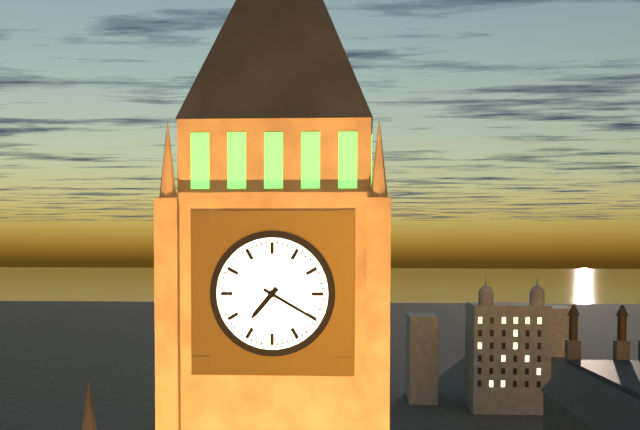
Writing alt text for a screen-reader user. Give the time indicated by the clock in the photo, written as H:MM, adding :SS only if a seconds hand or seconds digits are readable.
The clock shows 7:20
